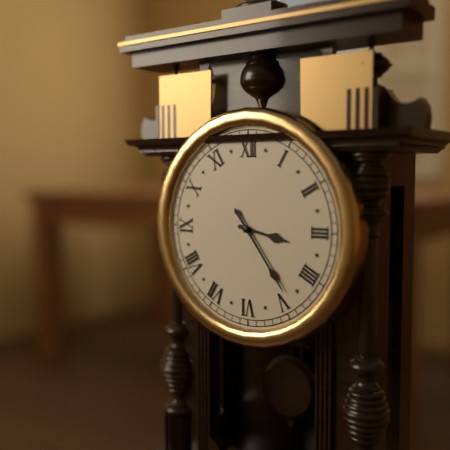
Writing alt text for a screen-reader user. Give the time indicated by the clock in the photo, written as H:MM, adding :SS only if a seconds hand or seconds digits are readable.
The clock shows 3:24
